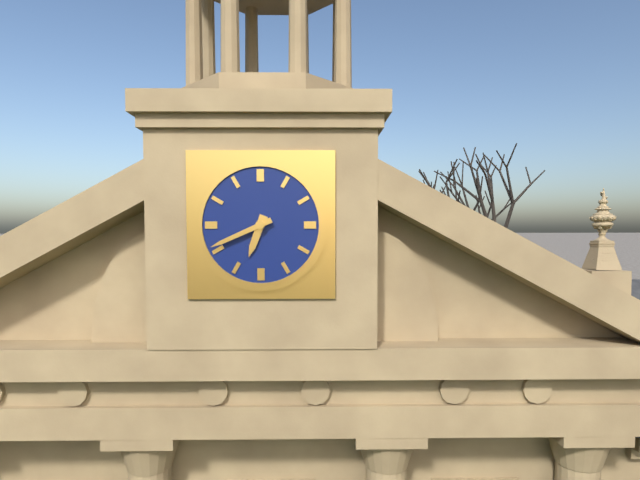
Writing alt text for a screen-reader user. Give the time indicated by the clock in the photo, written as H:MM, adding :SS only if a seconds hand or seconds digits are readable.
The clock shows 6:41
